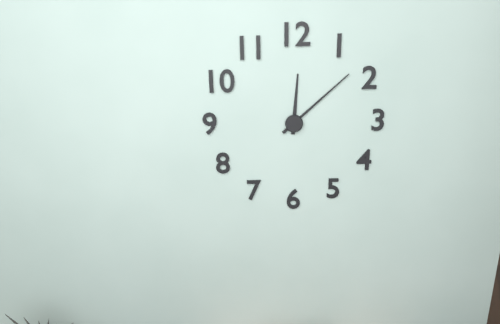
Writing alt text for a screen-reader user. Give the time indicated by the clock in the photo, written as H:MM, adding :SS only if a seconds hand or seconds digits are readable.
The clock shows 12:08
